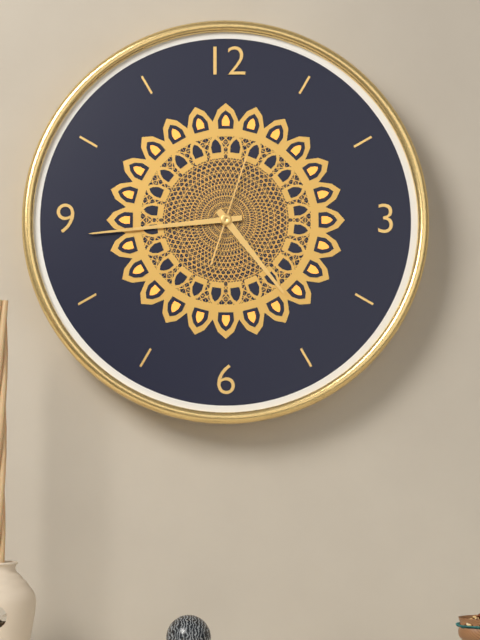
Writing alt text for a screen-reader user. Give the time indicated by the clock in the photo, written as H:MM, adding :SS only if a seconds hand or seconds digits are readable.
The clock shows 4:44:03
